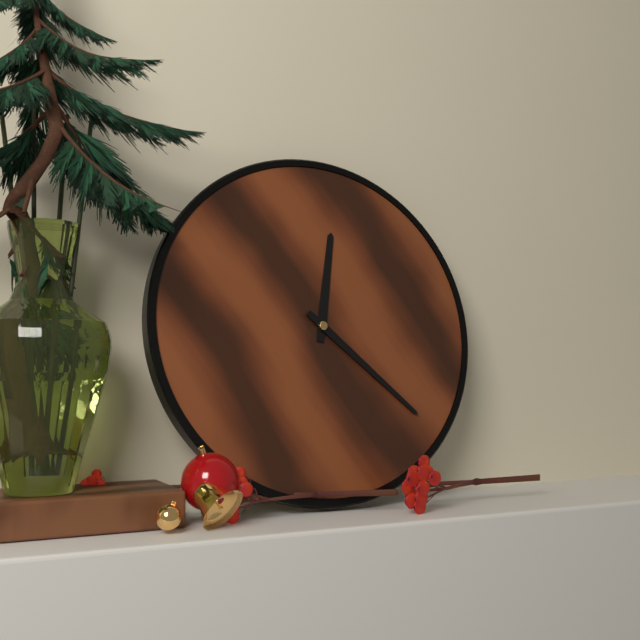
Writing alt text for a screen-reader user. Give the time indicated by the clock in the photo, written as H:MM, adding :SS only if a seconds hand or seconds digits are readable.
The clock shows 12:22
